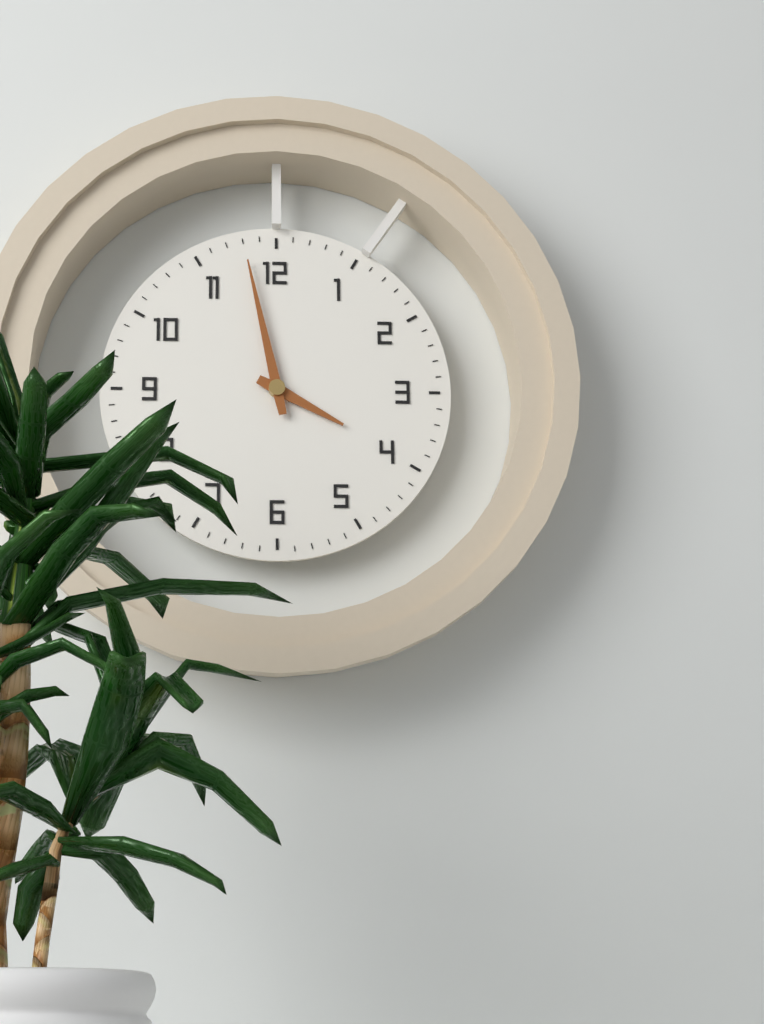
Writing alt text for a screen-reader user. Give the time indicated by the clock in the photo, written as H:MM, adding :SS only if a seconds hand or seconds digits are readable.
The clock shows 3:58
